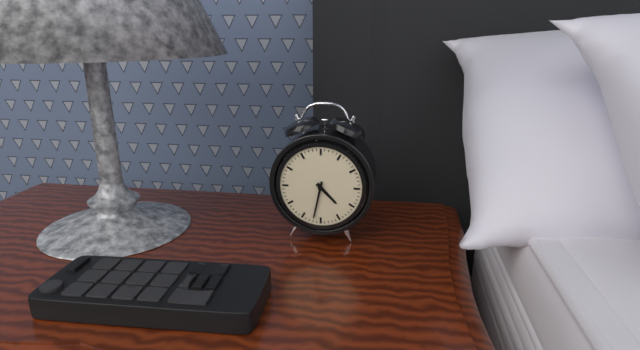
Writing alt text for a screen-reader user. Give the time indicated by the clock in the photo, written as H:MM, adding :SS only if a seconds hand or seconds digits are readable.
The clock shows 4:32
